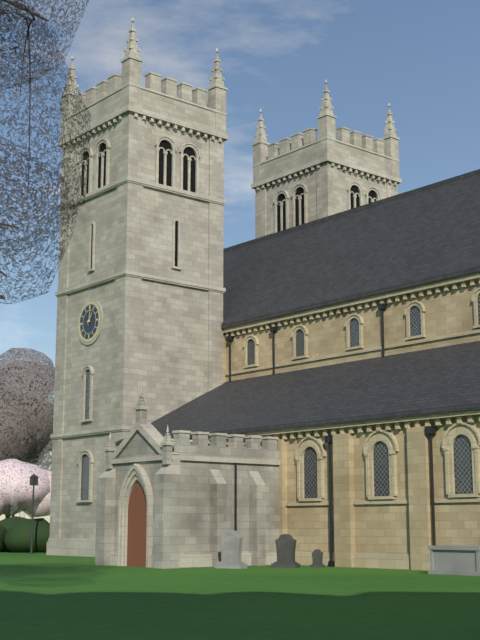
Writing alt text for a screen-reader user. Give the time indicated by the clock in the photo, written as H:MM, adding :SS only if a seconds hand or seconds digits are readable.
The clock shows 1:02
